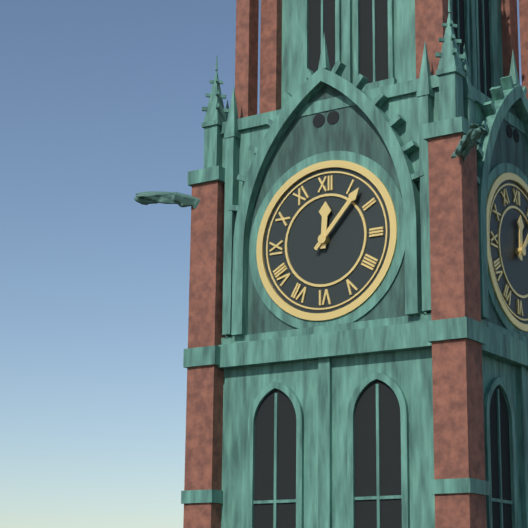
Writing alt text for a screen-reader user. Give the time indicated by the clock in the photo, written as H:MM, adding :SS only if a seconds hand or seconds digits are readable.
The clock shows 12:07
